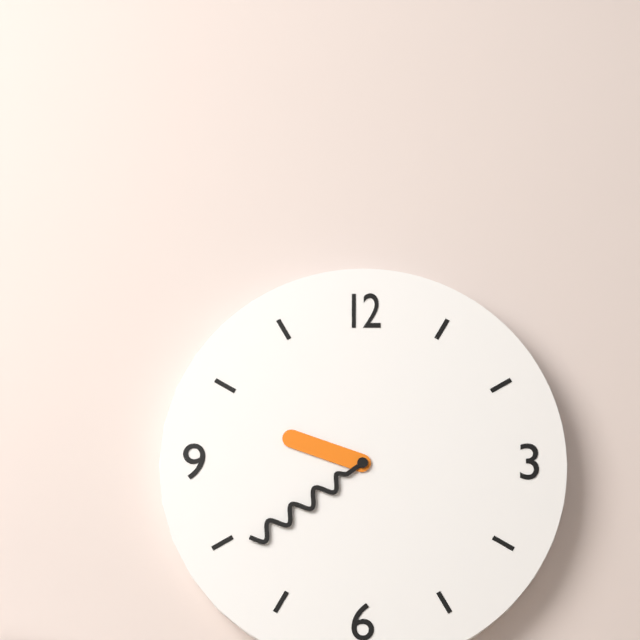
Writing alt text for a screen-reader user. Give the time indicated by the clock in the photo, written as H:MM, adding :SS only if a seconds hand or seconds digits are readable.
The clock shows 9:39
